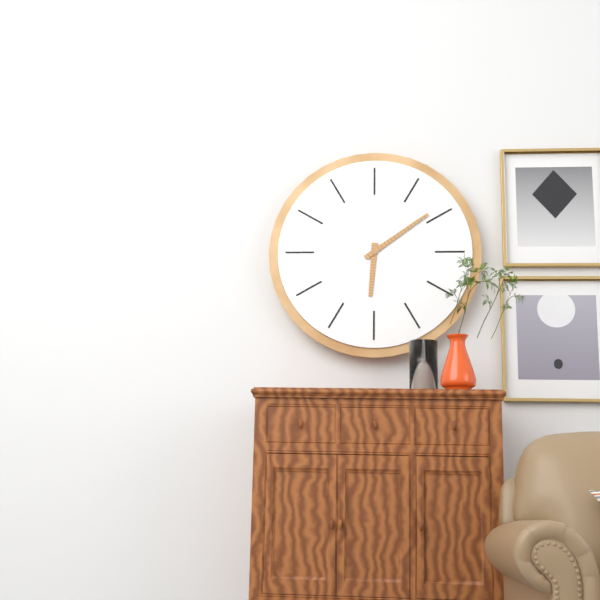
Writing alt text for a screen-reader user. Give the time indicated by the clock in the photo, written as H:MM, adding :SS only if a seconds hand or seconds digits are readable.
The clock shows 6:09
